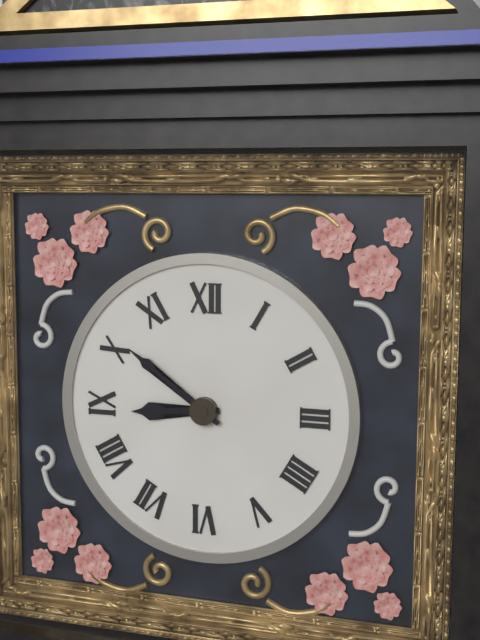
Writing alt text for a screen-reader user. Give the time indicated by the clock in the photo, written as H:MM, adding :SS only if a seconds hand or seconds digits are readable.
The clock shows 8:51
